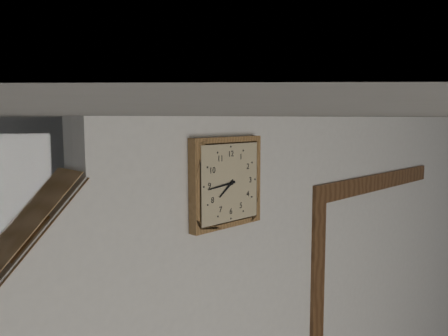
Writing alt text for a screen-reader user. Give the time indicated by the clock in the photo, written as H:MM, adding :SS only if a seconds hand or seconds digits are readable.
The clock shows 7:44
